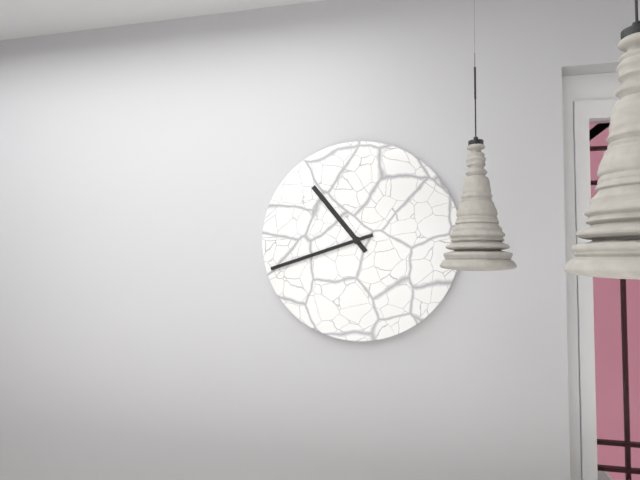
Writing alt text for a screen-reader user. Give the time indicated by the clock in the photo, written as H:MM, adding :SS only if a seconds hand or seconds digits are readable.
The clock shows 10:42
